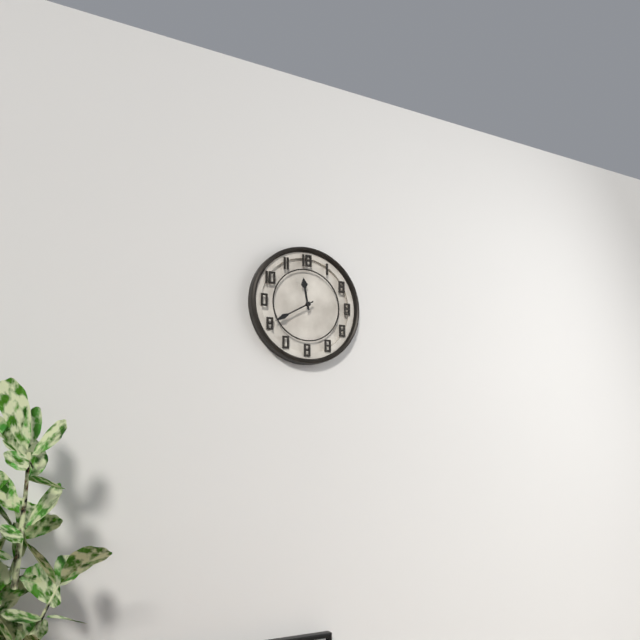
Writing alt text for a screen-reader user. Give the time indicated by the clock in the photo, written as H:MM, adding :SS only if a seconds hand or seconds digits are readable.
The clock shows 11:40
